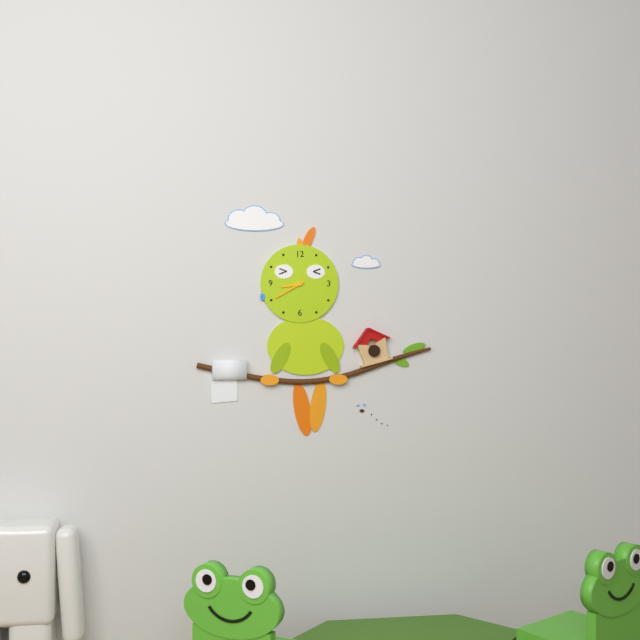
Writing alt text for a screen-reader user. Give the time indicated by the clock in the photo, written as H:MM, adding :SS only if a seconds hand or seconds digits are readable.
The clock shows 8:40
